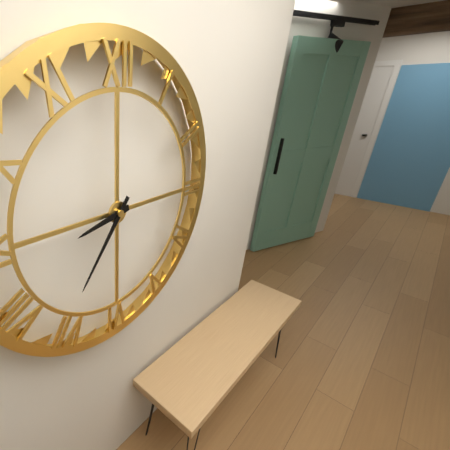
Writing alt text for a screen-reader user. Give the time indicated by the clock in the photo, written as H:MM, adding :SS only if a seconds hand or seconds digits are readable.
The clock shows 8:36
